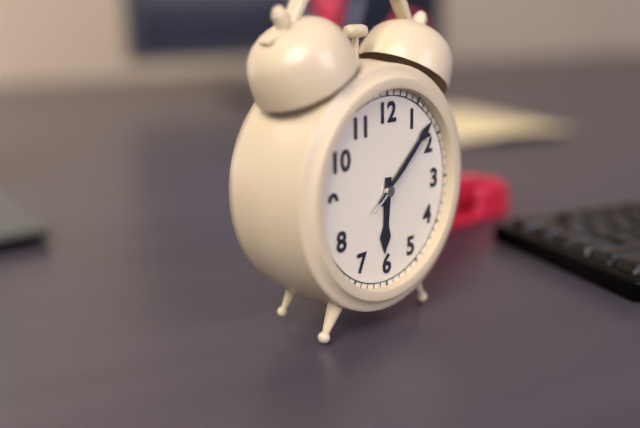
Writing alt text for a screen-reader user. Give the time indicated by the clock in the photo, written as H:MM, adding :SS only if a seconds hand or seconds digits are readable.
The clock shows 6:08:09
